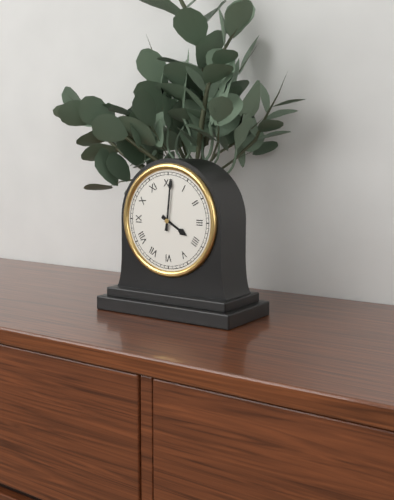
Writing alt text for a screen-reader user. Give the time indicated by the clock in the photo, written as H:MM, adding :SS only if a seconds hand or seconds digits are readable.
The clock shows 4:01
